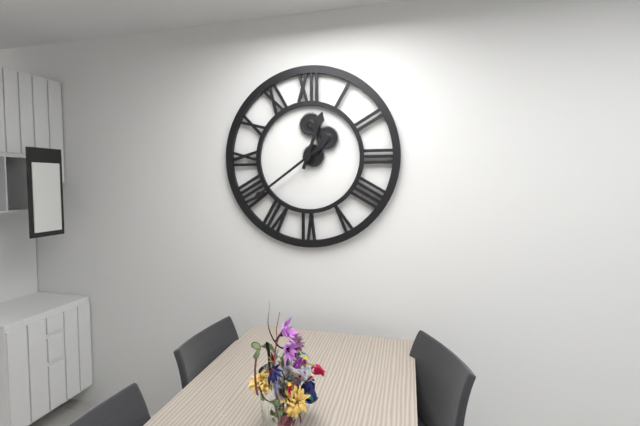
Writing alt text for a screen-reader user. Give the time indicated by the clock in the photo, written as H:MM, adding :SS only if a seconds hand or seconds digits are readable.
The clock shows 12:39
